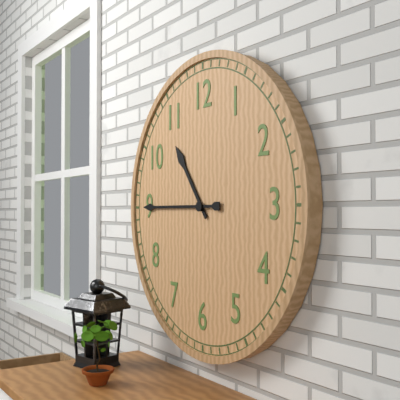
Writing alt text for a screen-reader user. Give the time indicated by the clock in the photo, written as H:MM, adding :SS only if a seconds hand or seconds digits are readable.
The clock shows 10:45
